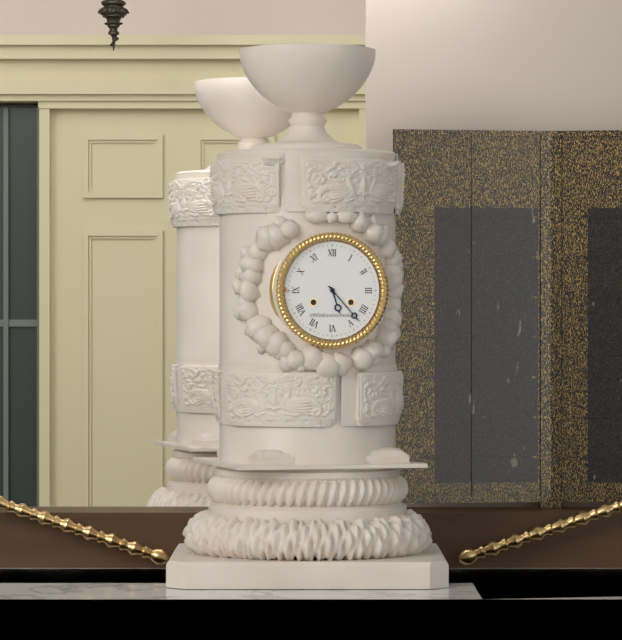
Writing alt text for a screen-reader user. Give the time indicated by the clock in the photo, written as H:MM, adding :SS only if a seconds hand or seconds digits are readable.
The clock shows 5:23
